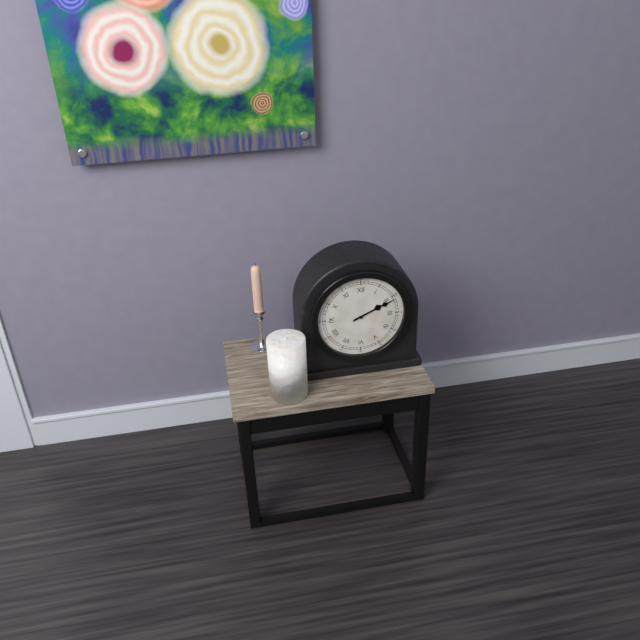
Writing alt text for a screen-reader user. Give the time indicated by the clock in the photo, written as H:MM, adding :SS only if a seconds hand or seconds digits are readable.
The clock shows 2:11
